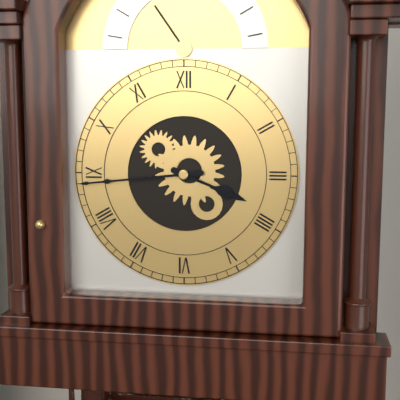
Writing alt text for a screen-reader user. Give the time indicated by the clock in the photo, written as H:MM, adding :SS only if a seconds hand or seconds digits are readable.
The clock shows 3:44
